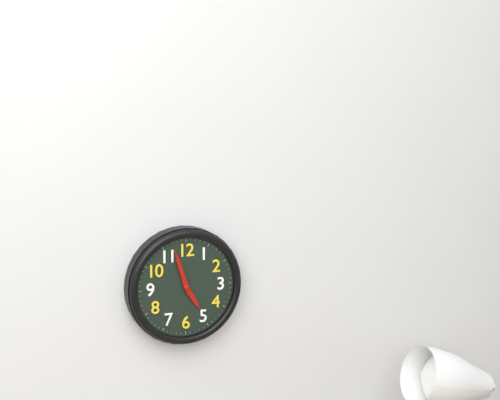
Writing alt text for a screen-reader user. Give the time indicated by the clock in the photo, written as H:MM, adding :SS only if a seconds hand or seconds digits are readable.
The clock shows 4:57
